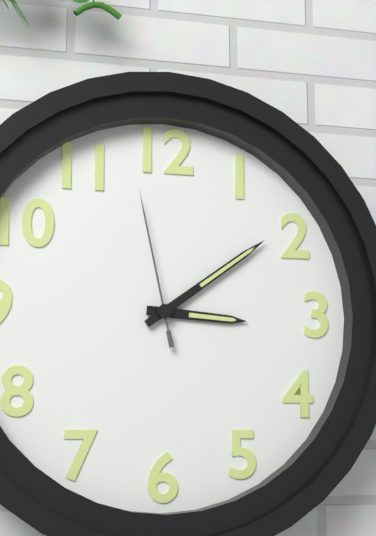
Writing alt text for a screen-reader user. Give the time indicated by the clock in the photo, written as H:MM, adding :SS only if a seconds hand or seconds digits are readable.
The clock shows 3:09:58
